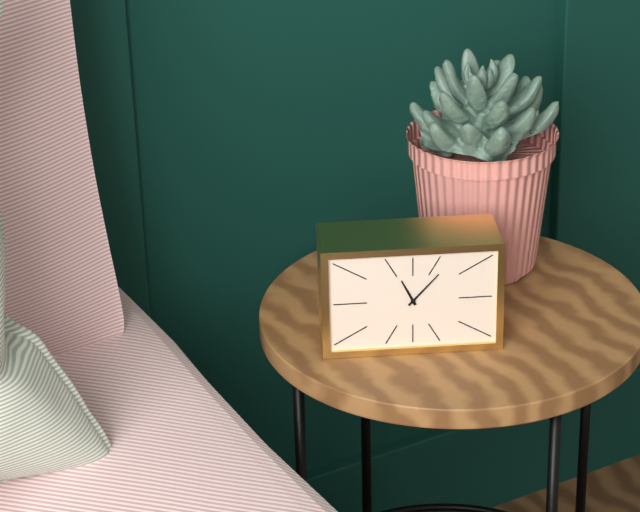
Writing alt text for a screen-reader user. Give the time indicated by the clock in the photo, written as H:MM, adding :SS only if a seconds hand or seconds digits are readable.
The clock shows 11:07
